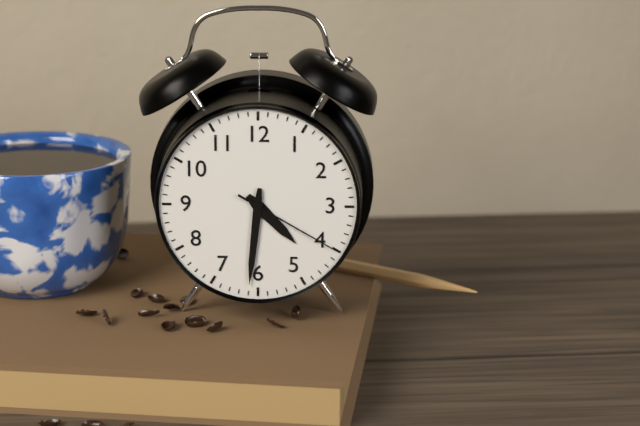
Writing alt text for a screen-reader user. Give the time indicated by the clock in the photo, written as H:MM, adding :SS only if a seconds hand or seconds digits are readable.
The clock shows 4:31:20
